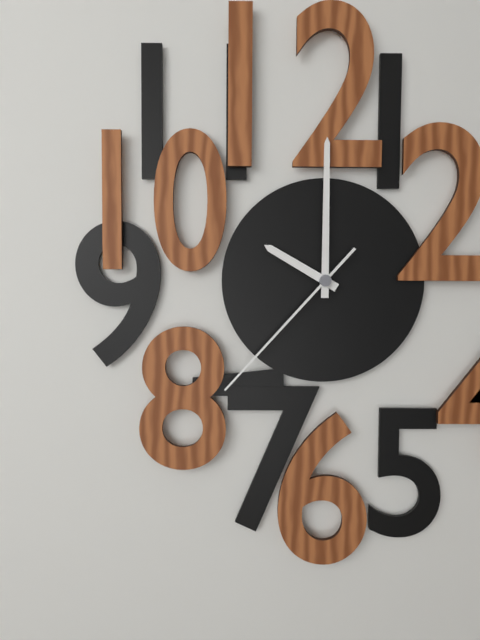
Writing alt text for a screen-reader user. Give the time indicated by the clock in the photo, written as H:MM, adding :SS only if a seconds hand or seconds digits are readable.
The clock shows 10:00:37
